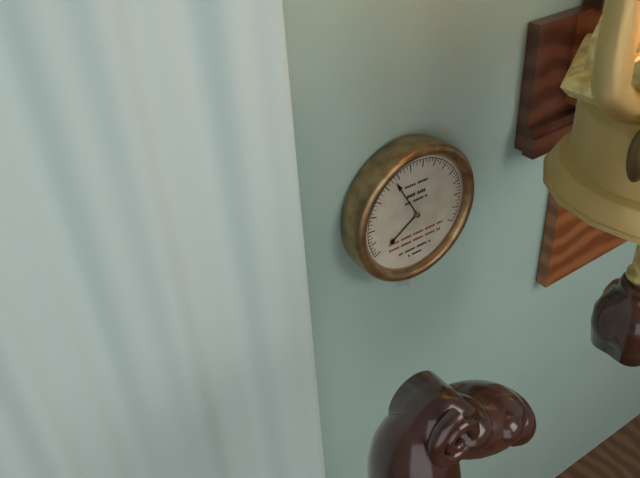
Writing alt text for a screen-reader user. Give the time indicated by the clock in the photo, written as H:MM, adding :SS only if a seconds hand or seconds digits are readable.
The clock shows 7:55
